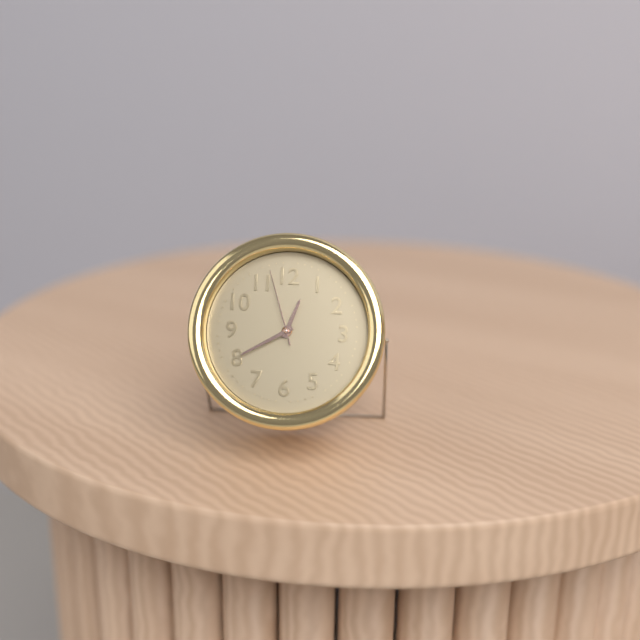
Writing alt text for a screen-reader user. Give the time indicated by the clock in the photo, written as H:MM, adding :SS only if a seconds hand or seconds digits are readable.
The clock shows 12:40:57
